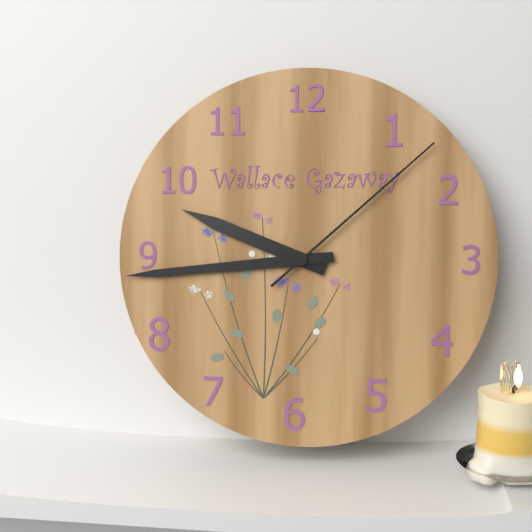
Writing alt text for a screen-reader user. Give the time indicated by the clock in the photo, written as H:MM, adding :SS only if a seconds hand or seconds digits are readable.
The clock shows 9:44:08
